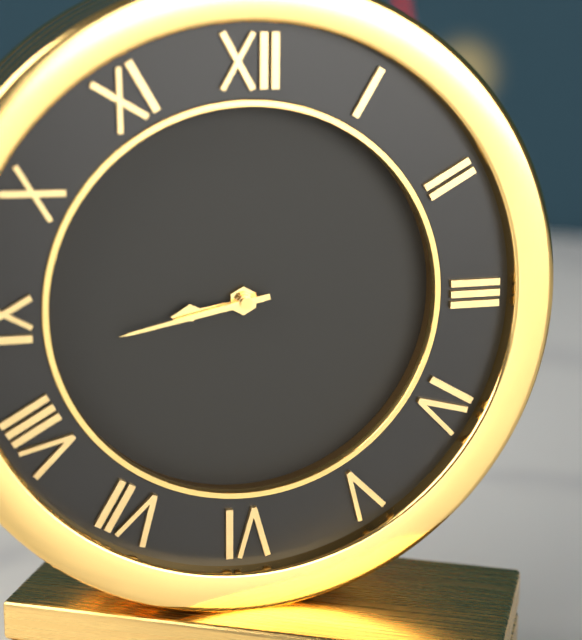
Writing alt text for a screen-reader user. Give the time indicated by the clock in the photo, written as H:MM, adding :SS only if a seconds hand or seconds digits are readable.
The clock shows 8:43
